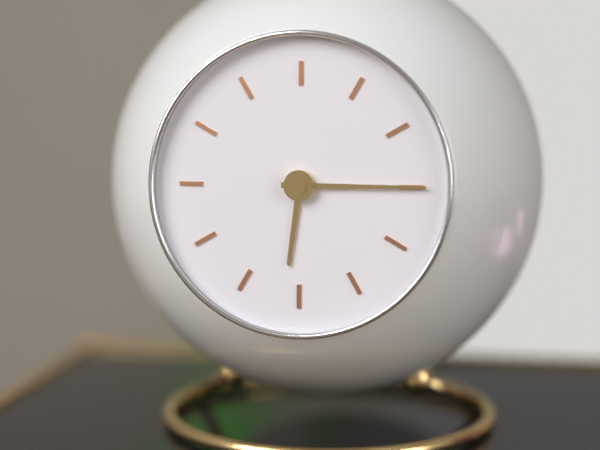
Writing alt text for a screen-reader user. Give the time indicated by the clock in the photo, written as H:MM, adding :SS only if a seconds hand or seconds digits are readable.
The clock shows 6:15
